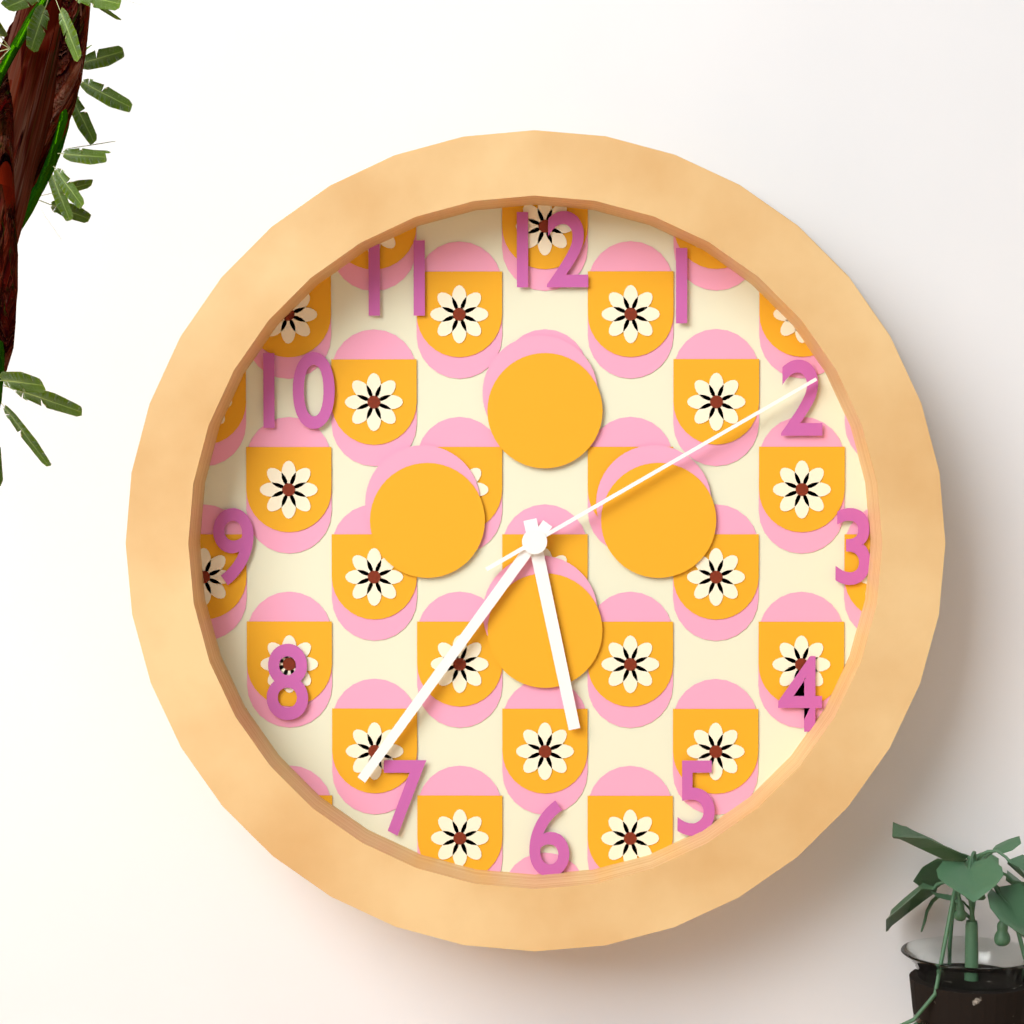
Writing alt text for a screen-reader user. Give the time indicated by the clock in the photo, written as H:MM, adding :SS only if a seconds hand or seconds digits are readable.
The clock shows 5:36:10
